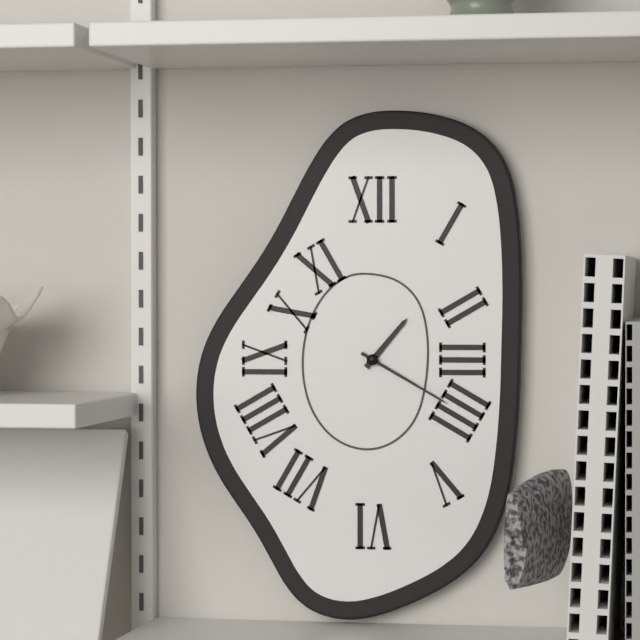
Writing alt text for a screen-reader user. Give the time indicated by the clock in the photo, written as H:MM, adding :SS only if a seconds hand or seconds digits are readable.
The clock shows 1:20
